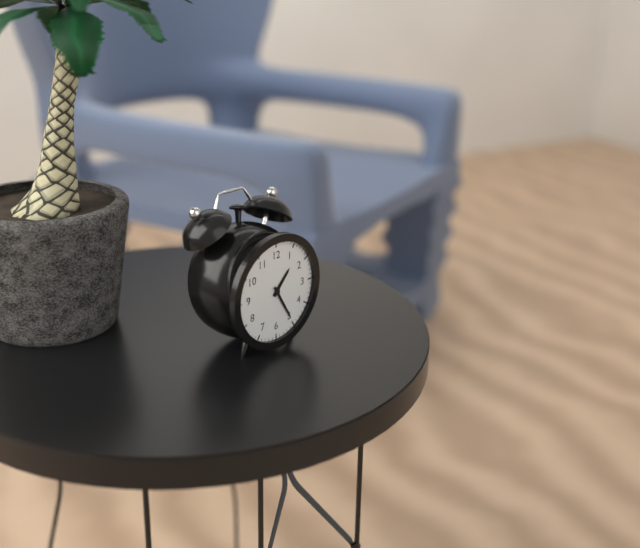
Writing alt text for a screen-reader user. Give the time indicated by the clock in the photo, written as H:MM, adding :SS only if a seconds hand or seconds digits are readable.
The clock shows 1:25
